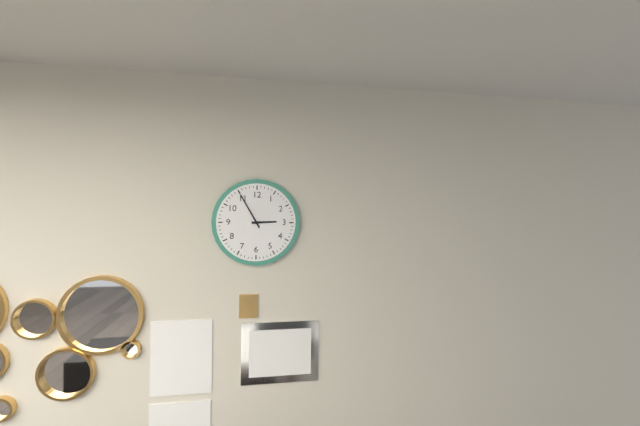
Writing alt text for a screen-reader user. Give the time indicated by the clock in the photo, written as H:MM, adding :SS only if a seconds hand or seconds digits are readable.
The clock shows 2:55
